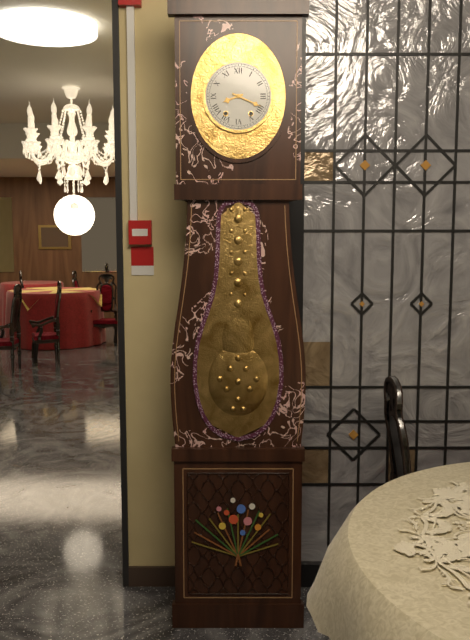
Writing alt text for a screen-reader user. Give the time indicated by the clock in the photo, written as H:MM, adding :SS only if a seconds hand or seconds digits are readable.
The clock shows 8:19
